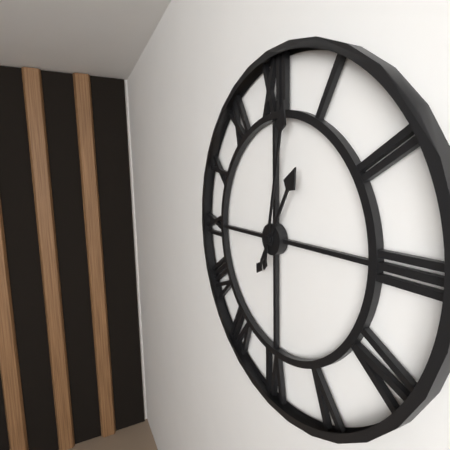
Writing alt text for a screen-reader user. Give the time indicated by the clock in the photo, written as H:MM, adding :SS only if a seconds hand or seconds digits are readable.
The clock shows 1:02
